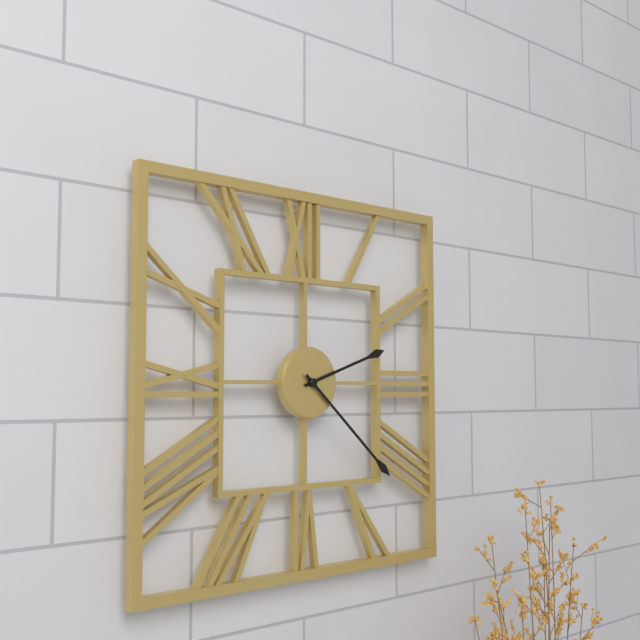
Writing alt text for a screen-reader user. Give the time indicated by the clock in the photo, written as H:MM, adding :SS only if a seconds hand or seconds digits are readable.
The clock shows 2:22
